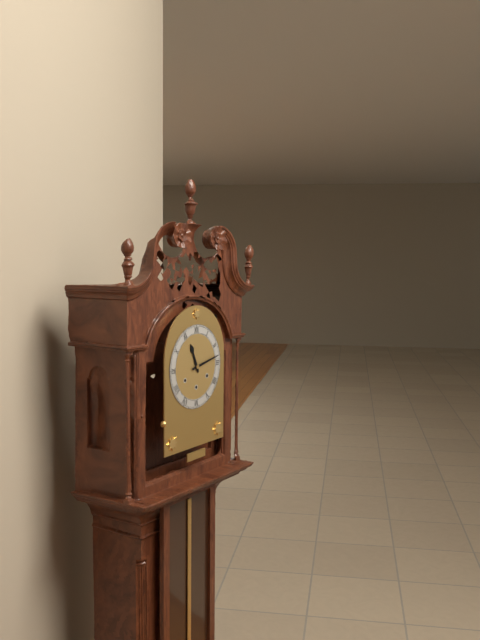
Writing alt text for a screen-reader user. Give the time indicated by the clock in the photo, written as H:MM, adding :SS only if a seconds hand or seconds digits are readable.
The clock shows 11:13
